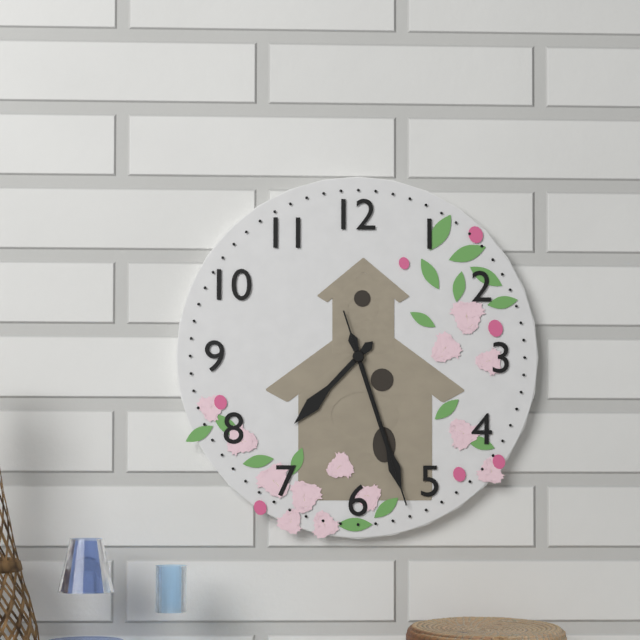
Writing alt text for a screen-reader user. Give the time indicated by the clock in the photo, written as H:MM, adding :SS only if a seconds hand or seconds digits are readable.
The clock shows 7:27:27
